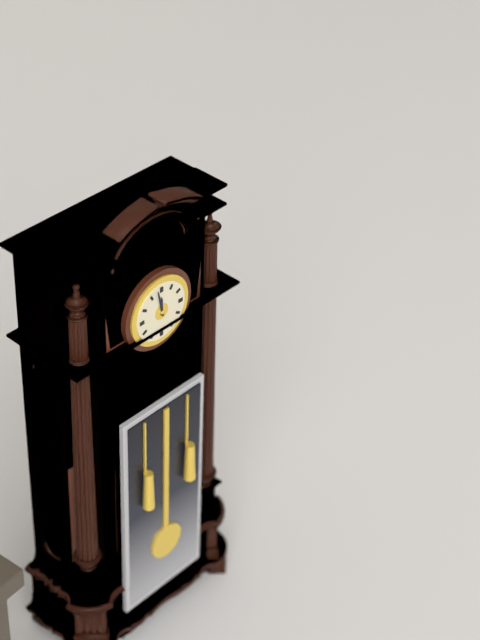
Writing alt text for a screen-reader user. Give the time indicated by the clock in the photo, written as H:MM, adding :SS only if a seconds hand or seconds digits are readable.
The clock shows 11:58
